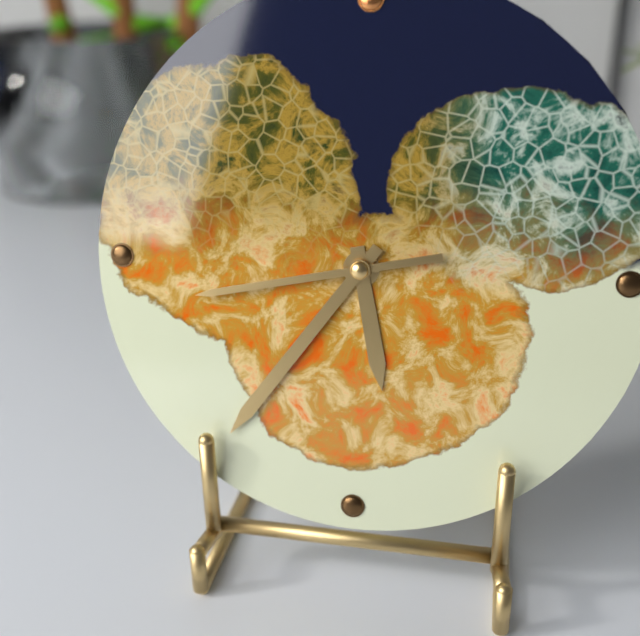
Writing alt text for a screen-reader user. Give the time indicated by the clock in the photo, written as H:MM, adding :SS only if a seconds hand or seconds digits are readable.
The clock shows 5:36:43
